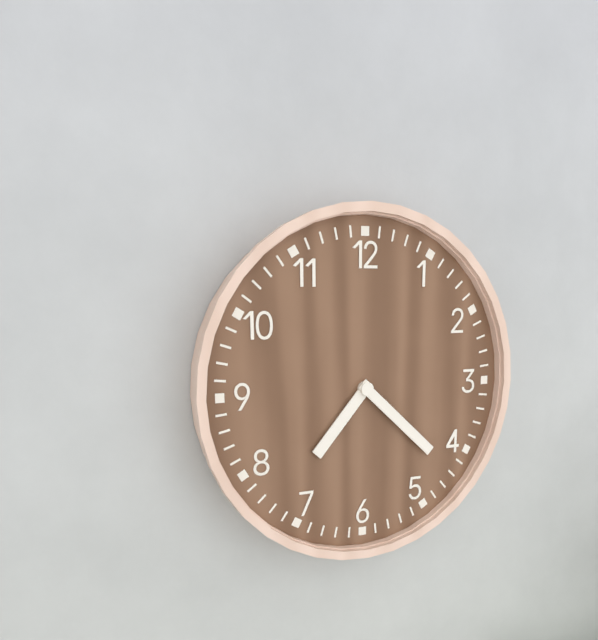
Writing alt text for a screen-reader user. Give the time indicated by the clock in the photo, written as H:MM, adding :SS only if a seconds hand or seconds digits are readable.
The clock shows 7:22
